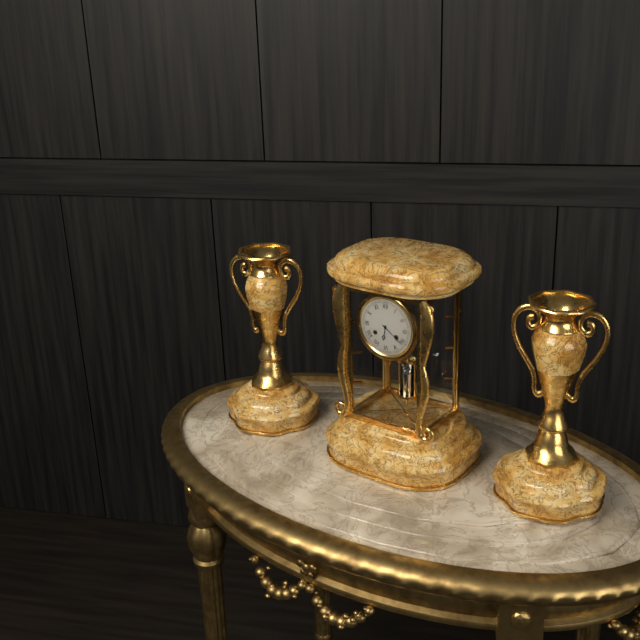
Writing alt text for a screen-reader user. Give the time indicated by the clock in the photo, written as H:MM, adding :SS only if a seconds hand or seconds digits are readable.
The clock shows 6:21
